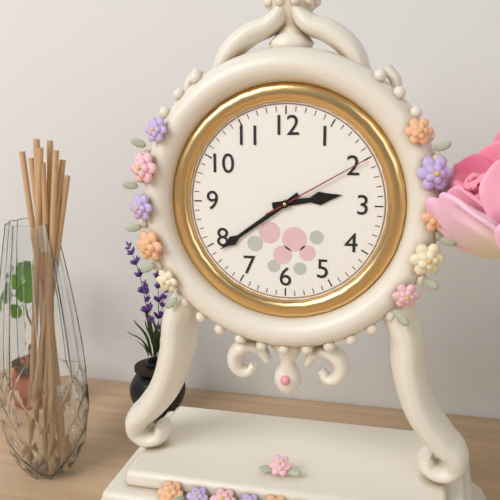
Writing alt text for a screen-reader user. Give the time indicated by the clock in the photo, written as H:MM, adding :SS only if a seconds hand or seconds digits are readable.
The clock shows 2:39:10
